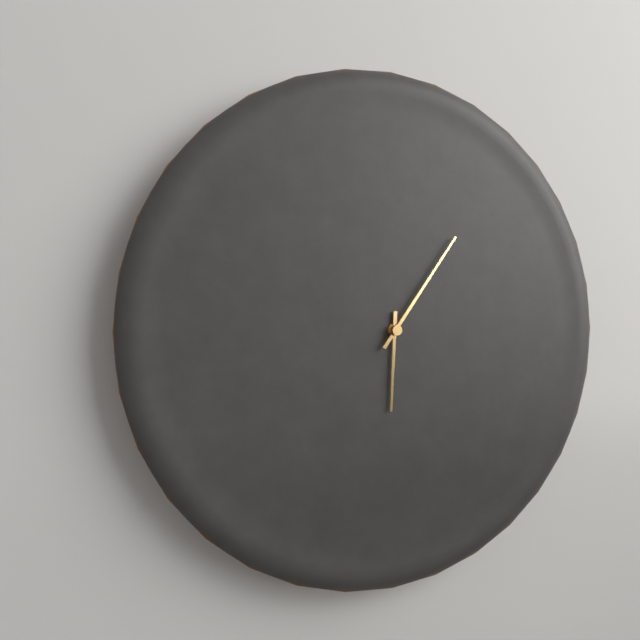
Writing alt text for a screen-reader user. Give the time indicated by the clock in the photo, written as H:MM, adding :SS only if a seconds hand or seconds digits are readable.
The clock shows 6:06
